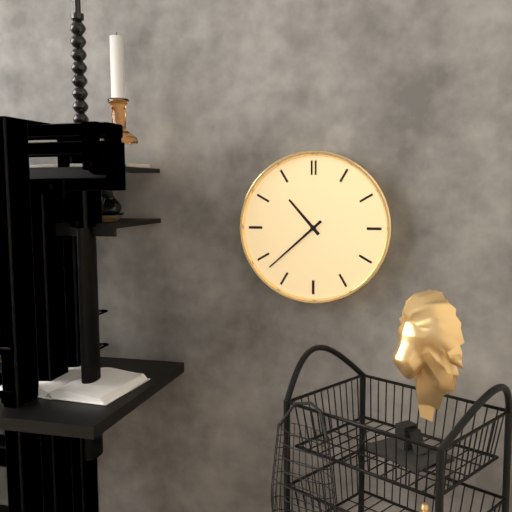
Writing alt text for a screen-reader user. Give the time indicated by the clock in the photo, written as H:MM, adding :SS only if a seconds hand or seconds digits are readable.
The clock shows 10:38
